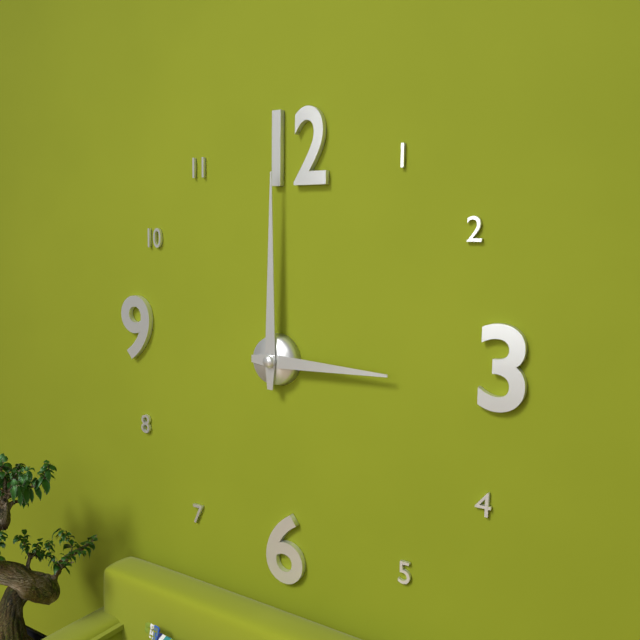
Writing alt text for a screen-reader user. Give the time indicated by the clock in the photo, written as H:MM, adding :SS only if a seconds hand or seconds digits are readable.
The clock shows 3:00
